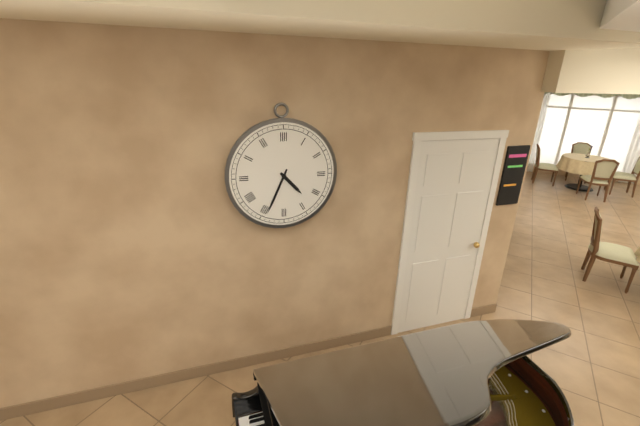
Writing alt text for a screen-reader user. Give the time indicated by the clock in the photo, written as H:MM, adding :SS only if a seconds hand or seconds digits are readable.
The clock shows 4:34
